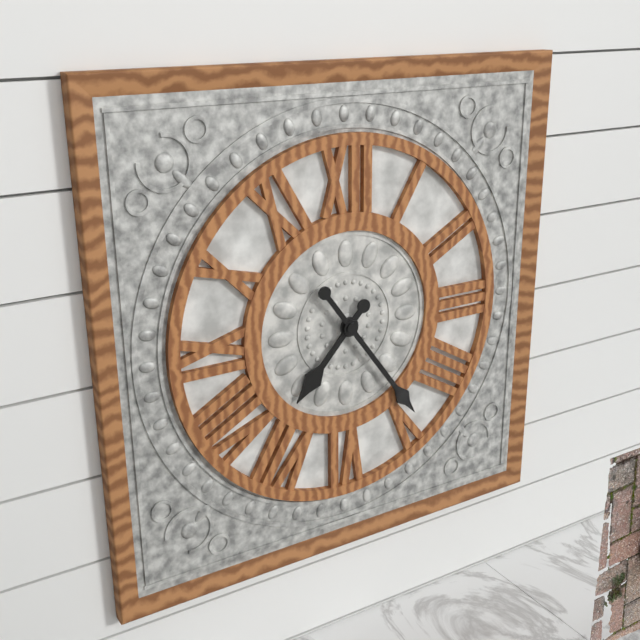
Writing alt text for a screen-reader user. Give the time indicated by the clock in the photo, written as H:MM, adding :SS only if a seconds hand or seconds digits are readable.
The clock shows 7:24
